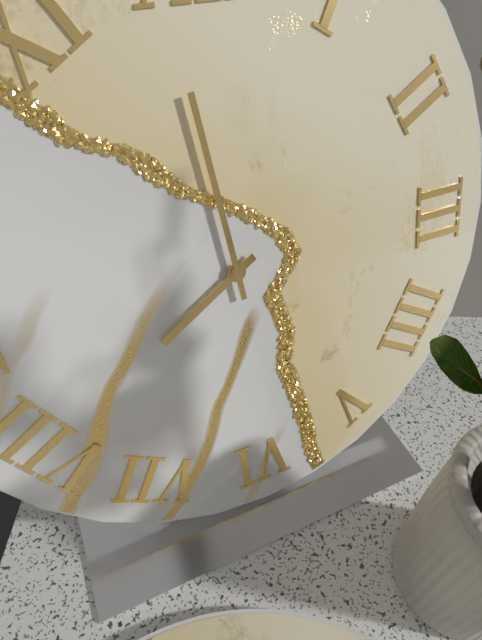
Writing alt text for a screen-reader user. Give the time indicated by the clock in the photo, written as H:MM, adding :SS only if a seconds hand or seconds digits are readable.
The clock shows 7:59
